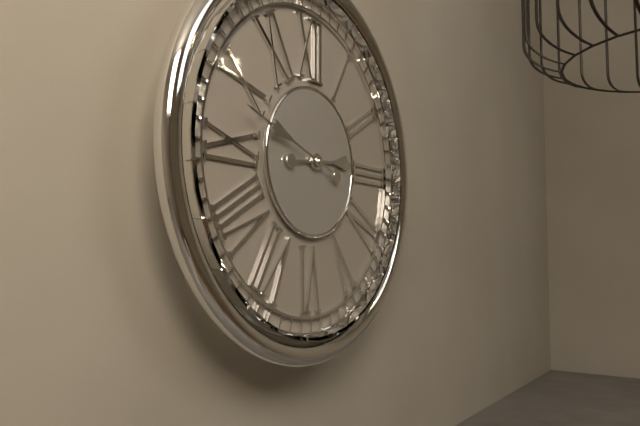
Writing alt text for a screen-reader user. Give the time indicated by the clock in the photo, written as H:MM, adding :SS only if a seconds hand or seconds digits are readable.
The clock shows 2:48
